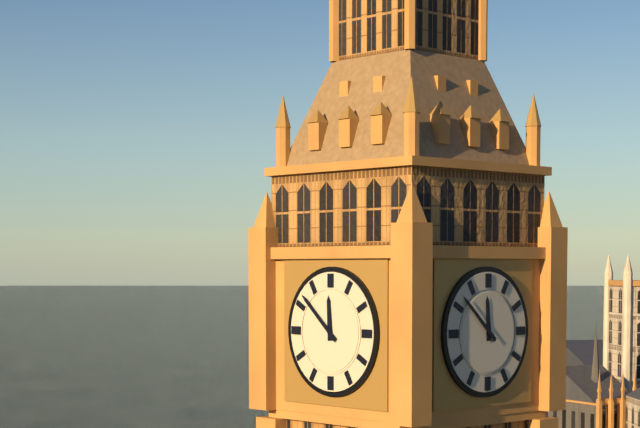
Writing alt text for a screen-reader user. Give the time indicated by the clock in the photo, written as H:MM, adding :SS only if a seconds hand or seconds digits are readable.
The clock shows 11:52
